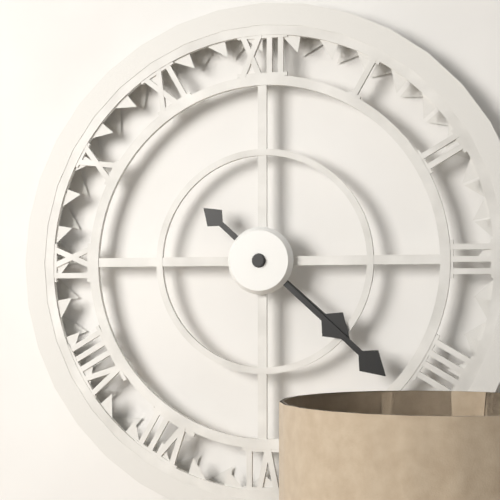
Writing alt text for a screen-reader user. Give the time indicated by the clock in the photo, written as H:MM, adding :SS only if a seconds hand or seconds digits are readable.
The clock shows 4:22
